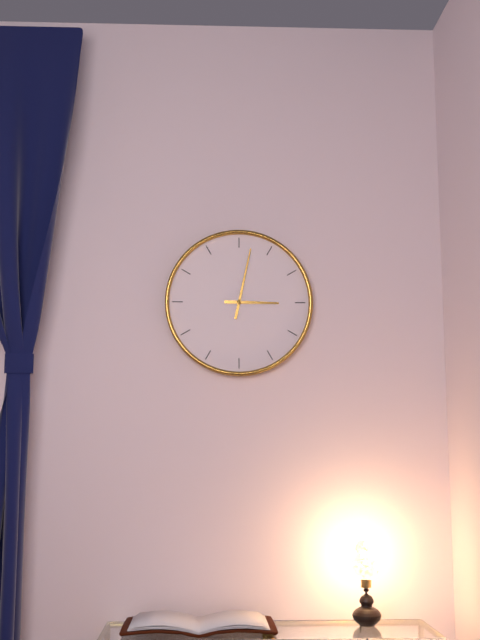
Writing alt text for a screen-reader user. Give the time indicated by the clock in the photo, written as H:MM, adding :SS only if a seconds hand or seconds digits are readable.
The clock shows 3:02
